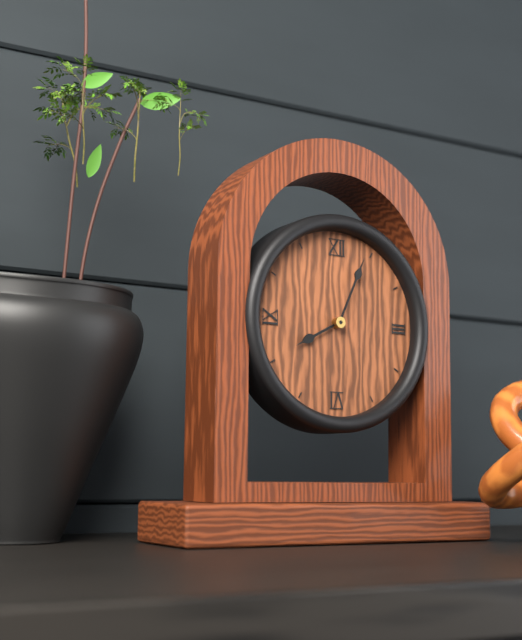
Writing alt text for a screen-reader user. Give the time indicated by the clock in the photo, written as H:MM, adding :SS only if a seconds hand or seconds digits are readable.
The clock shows 8:04
